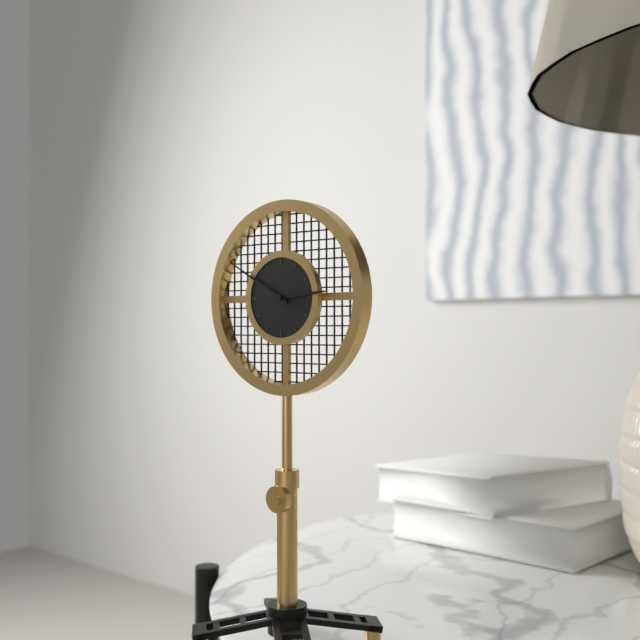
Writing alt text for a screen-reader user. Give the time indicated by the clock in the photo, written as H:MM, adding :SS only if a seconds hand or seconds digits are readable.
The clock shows 2:50
